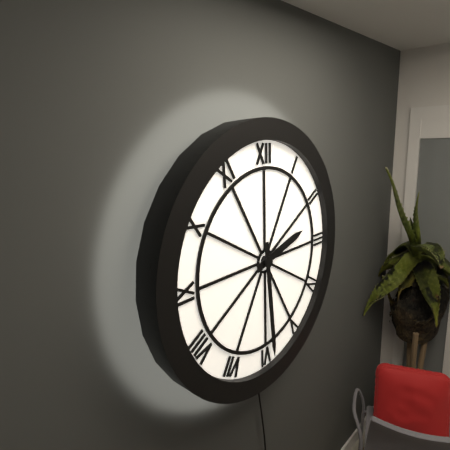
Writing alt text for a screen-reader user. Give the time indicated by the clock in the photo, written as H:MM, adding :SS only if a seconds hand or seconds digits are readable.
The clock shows 2:29
